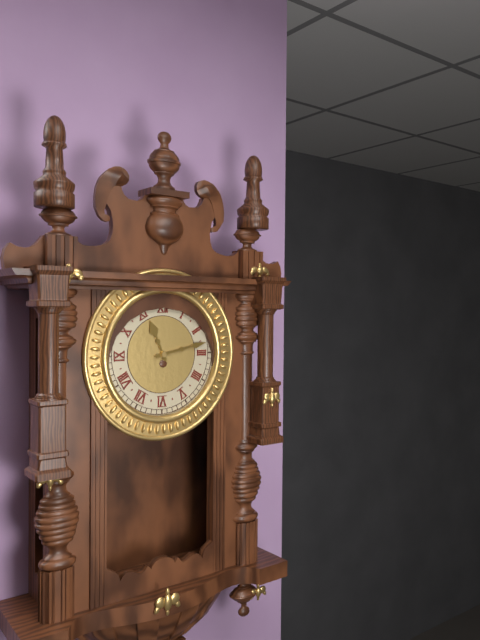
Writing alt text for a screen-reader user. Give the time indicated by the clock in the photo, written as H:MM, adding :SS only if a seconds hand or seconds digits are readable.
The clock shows 11:13
